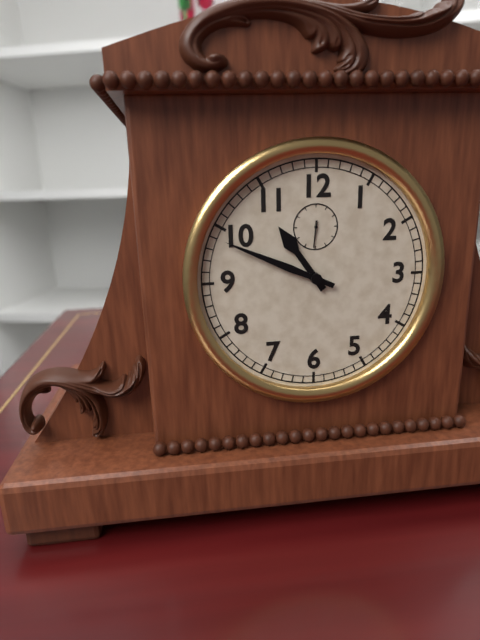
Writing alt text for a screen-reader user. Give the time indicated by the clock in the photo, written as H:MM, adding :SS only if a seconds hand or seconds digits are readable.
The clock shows 10:49
